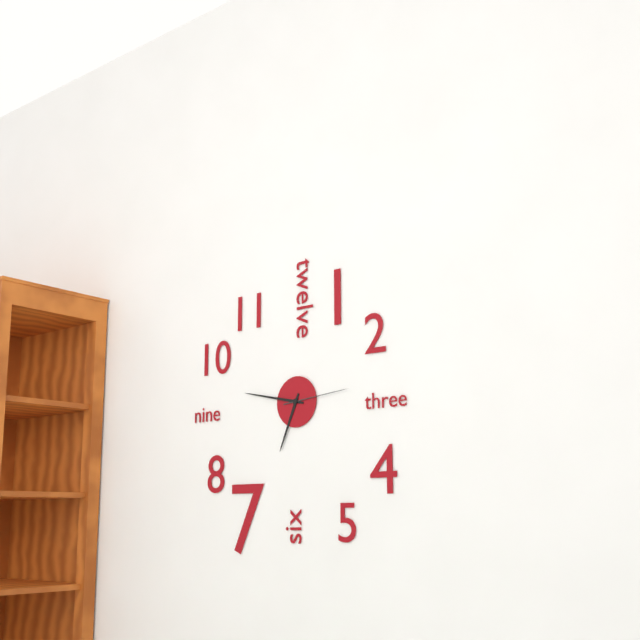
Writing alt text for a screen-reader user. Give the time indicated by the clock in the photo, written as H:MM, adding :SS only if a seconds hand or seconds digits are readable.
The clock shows 6:47:14
